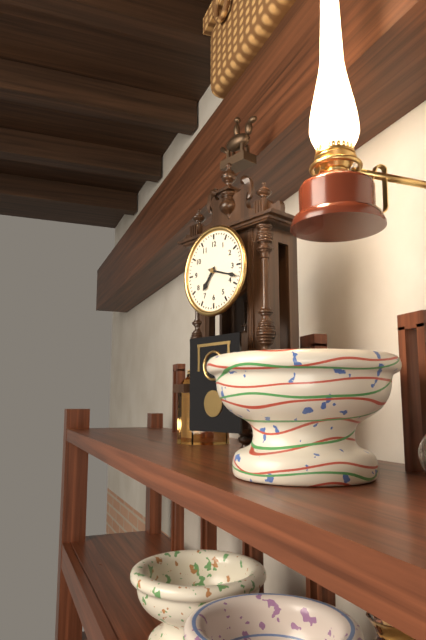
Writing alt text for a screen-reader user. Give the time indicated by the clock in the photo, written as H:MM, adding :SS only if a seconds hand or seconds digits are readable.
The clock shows 7:18
